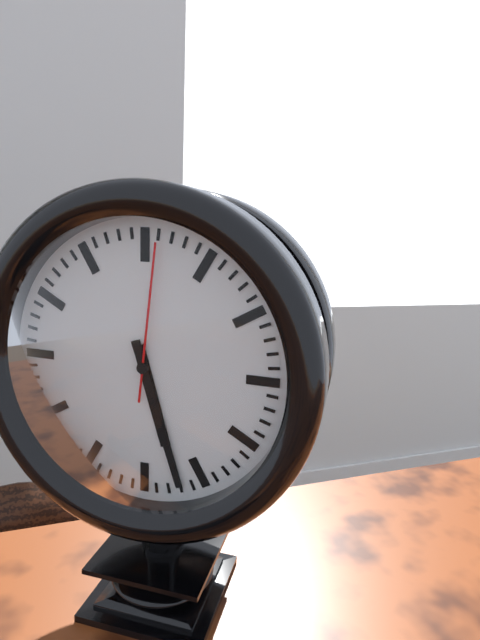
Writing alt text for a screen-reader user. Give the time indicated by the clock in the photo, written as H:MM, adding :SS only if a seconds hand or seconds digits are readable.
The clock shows 5:27:01
